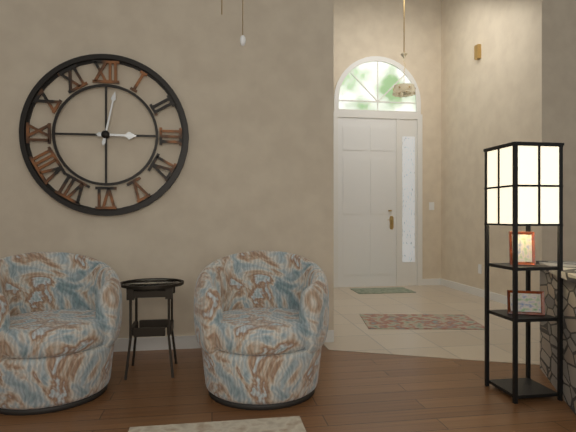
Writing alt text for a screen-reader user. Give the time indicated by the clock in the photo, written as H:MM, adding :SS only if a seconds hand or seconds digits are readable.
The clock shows 3:02
